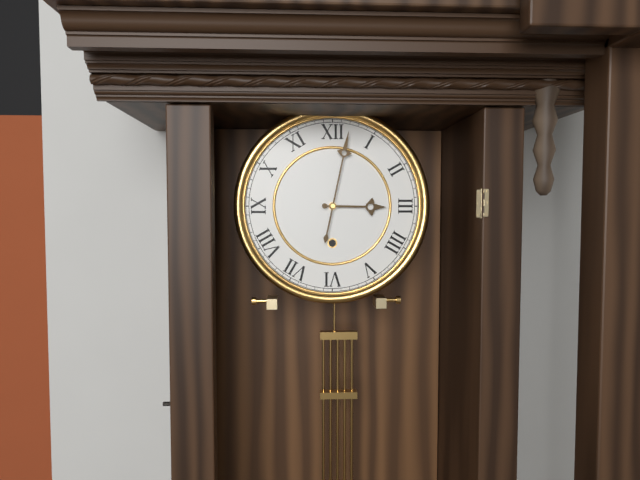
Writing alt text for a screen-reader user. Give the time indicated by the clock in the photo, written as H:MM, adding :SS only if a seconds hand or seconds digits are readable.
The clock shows 3:02
